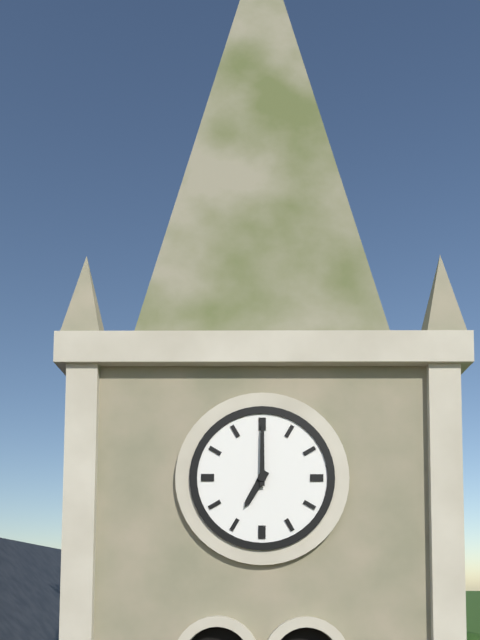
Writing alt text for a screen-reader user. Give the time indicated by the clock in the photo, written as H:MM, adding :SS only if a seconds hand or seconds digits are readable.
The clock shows 7:00
